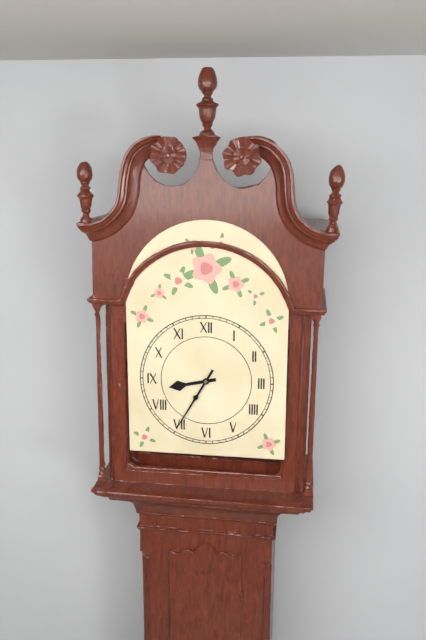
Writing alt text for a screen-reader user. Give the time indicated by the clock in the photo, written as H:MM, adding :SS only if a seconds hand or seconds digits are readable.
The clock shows 8:35
